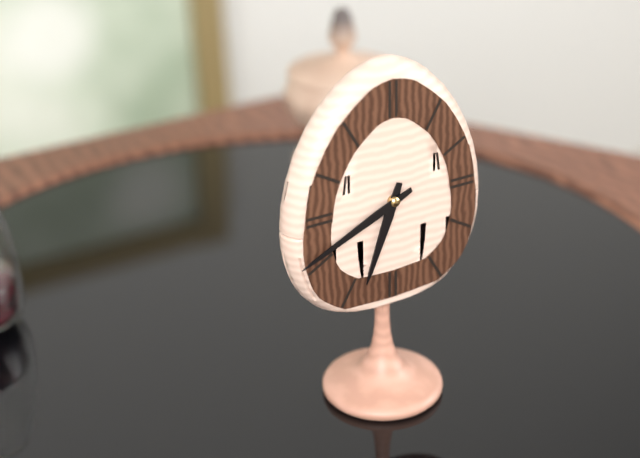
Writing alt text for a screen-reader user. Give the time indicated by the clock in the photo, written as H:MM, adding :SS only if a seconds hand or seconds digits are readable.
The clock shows 6:41
